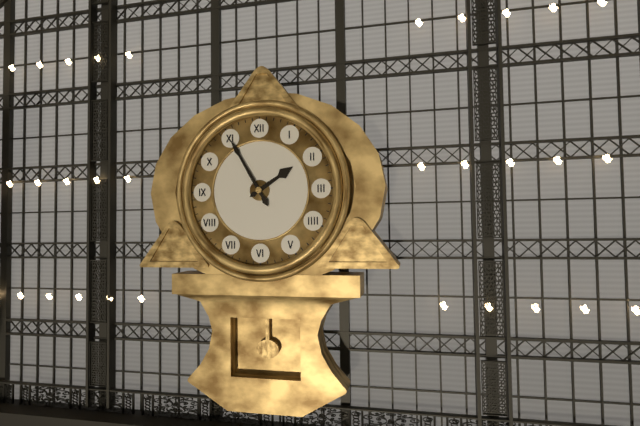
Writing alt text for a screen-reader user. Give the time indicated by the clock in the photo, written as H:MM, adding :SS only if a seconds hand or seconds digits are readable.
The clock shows 1:55
